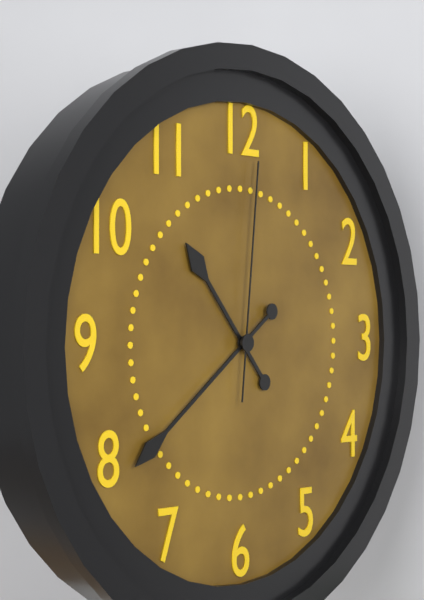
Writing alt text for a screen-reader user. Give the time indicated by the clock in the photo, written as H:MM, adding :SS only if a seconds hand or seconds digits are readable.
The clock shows 10:39:01
